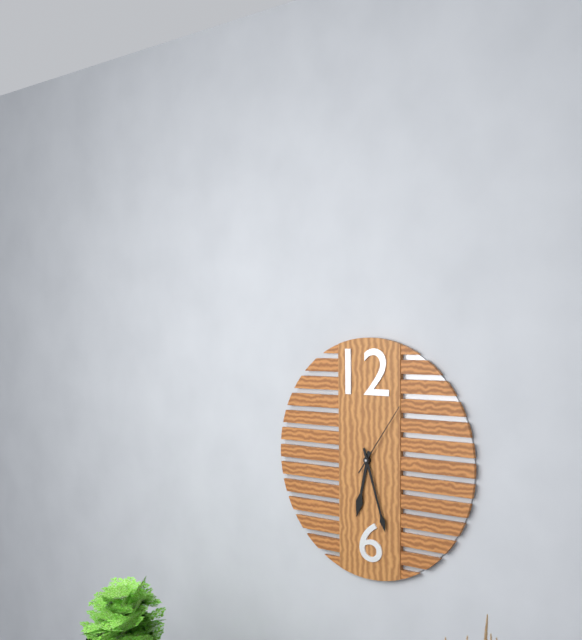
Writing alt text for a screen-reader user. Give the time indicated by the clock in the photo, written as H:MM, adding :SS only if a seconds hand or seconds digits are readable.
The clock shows 6:27:06
